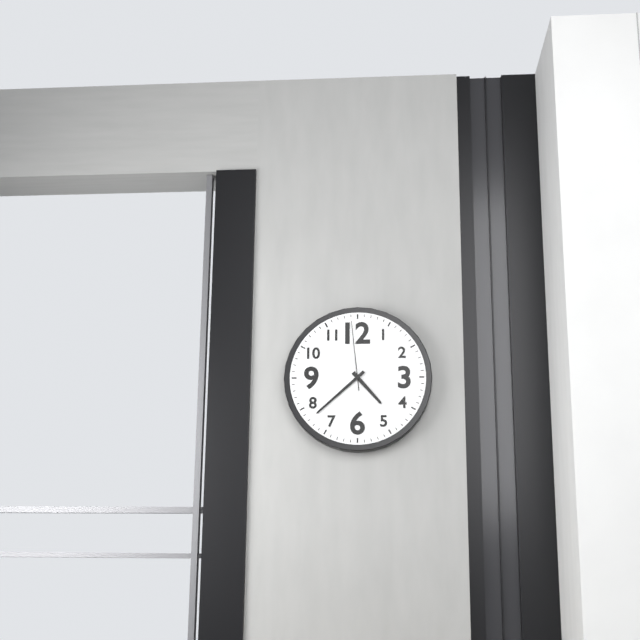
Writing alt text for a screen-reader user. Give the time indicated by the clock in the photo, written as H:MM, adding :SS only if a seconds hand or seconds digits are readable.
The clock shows 4:38:59
